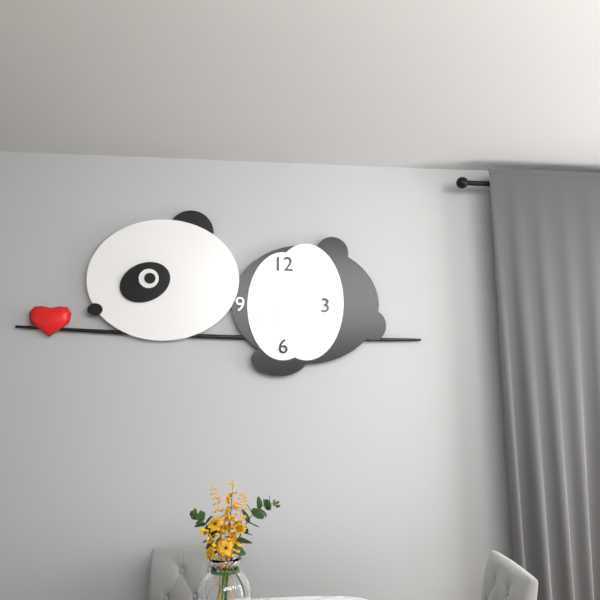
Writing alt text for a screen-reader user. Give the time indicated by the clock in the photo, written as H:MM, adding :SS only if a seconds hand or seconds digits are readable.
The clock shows 6:40
